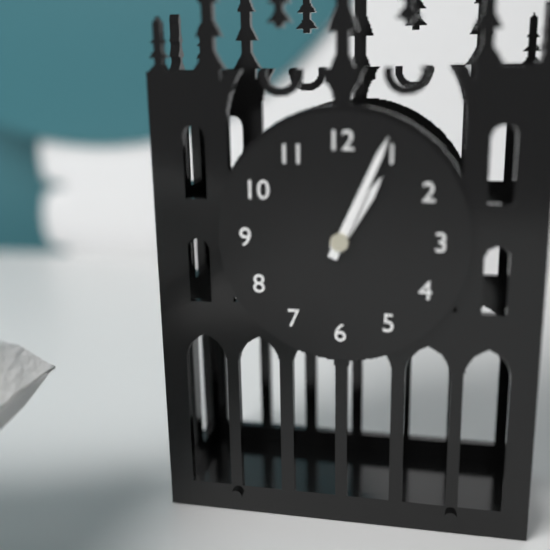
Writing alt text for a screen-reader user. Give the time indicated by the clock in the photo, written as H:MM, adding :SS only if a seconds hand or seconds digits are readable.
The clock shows 1:04
